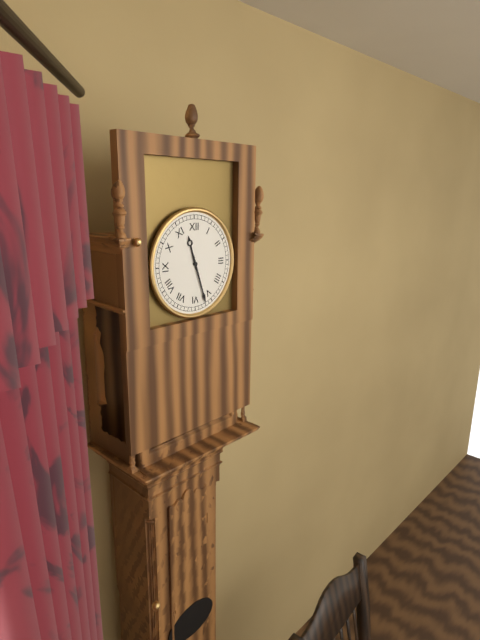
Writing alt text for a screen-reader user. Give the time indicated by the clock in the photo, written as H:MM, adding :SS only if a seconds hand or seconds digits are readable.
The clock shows 11:27
